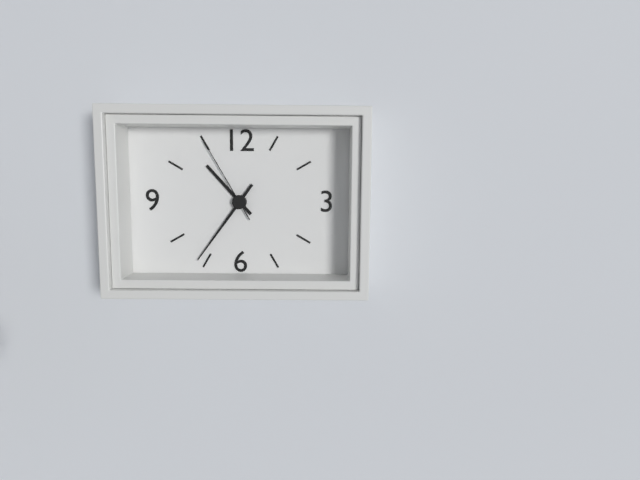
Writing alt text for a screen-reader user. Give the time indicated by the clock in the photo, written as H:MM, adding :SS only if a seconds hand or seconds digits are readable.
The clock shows 10:36:55
